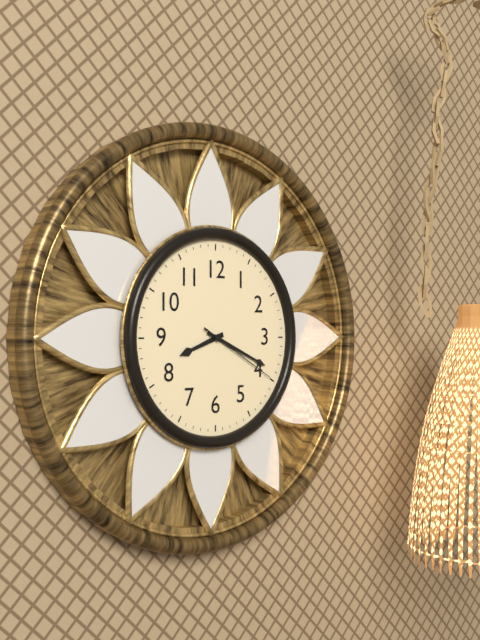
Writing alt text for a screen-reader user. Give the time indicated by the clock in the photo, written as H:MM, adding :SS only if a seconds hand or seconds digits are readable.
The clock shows 8:19:20
